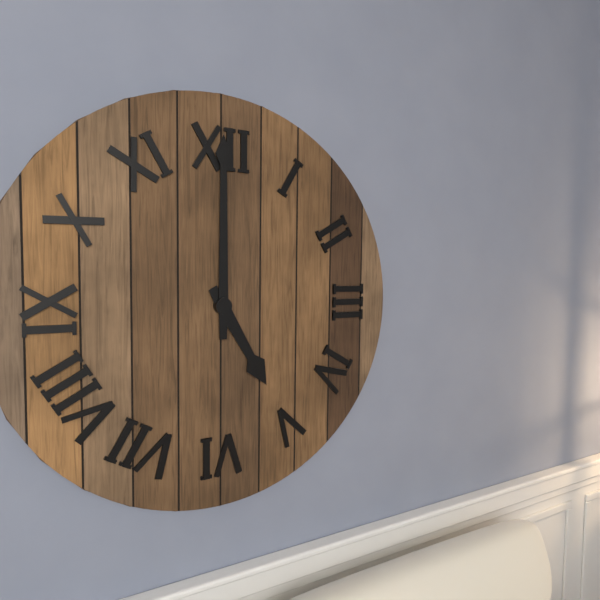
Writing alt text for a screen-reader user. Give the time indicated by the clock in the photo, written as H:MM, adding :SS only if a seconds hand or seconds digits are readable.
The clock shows 5:00
